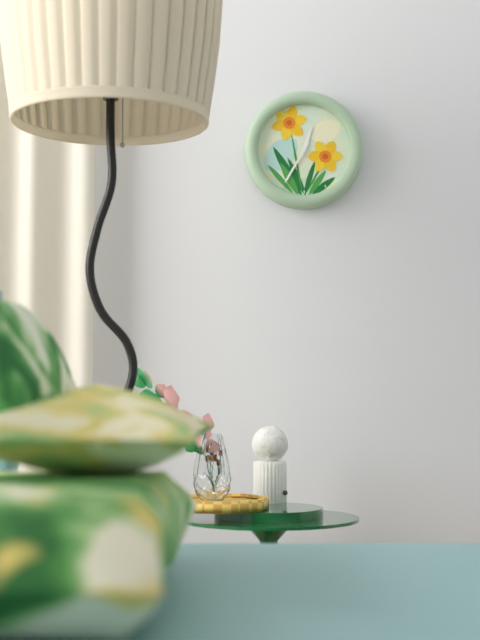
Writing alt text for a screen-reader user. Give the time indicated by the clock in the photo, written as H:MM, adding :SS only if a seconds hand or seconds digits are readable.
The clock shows 12:35
